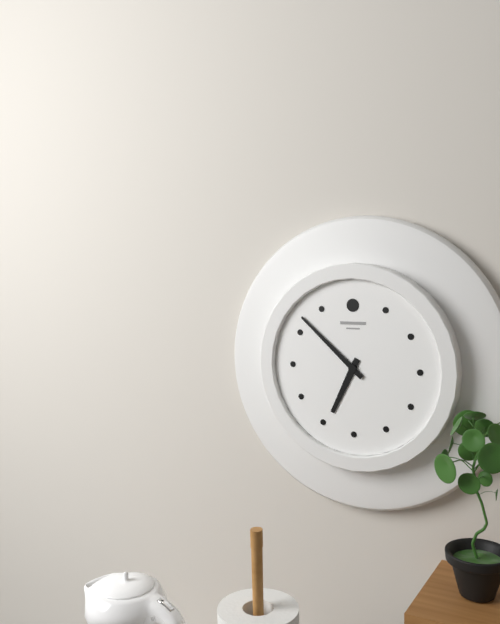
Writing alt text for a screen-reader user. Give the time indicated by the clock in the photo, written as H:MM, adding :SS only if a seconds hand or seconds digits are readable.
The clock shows 6:52
